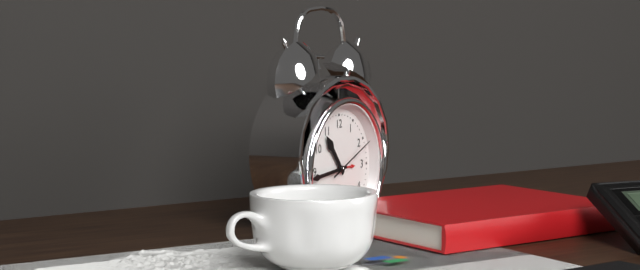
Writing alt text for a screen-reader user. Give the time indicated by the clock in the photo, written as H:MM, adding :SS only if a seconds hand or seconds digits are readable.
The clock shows 10:44
